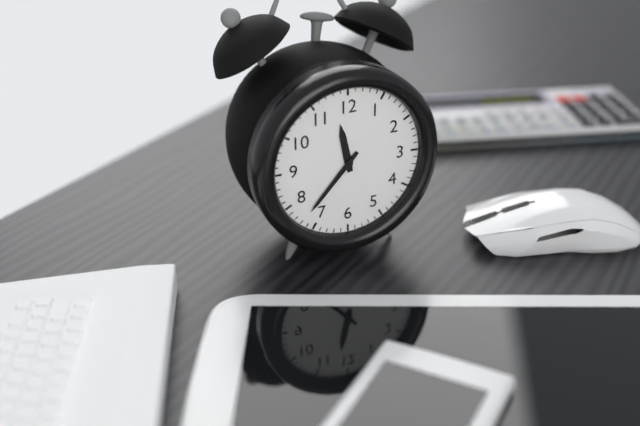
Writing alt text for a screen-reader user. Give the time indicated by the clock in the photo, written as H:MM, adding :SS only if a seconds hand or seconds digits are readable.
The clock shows 11:37
